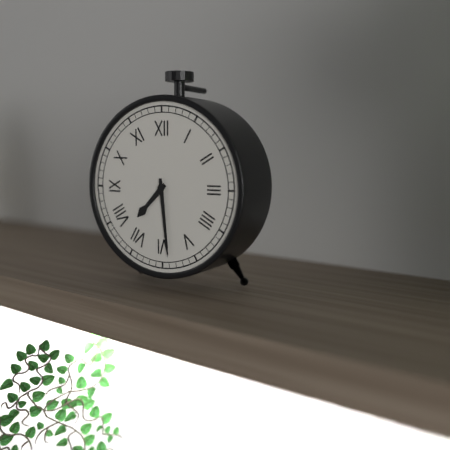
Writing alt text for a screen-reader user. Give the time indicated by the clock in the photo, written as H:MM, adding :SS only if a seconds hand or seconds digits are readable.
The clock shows 7:29
